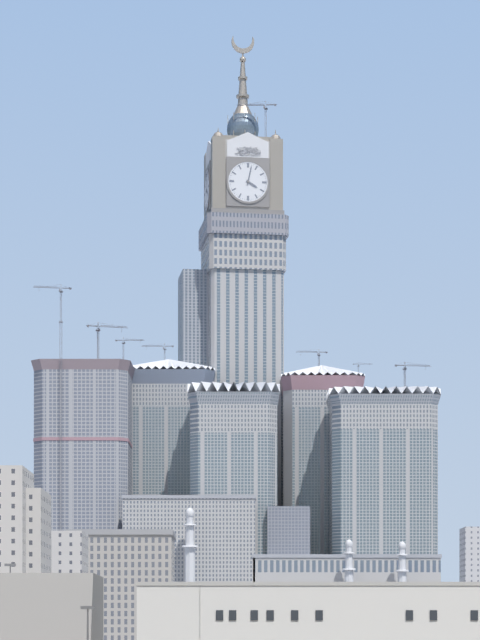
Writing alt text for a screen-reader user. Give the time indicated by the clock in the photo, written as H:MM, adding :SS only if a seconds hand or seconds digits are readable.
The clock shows 4:02
